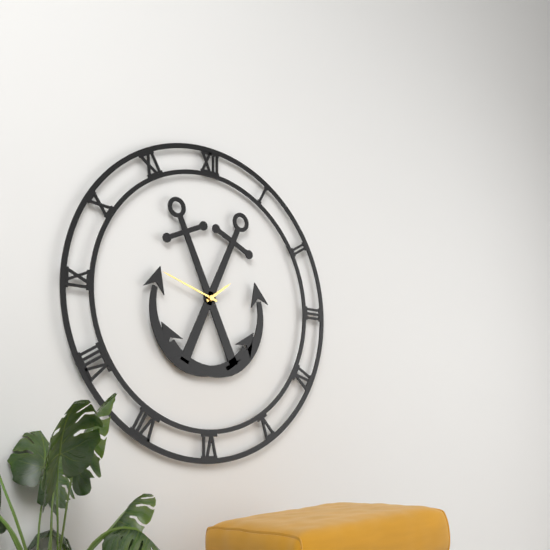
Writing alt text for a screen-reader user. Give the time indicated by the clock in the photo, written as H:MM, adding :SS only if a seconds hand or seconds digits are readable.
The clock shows 1:48
